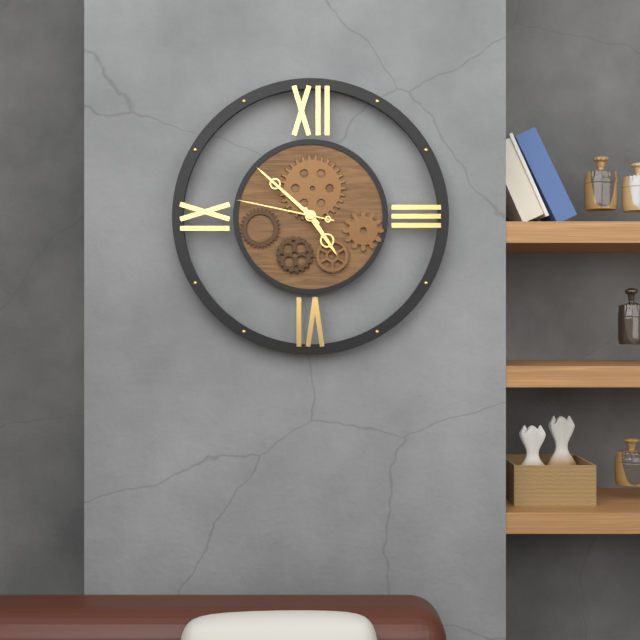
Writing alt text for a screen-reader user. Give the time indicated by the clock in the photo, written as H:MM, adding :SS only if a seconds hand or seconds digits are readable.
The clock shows 4:52:47
